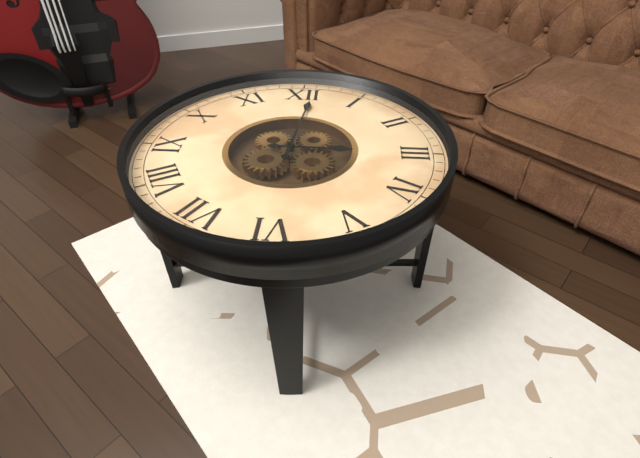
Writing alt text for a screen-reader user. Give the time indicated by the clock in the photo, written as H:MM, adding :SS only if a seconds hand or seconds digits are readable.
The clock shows 3:01
